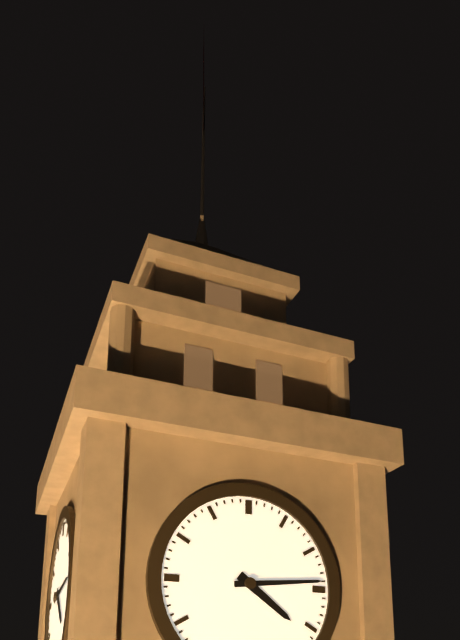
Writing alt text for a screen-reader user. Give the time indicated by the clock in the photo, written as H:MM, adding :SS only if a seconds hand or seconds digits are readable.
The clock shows 4:14
